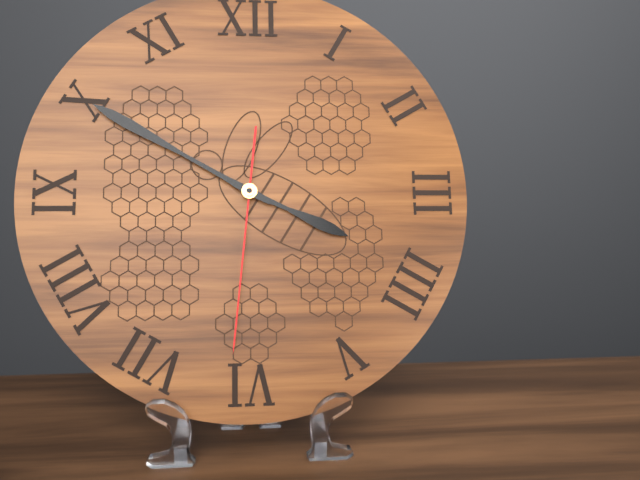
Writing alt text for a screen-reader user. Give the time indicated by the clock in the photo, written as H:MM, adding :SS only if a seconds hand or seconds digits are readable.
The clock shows 3:50:31
